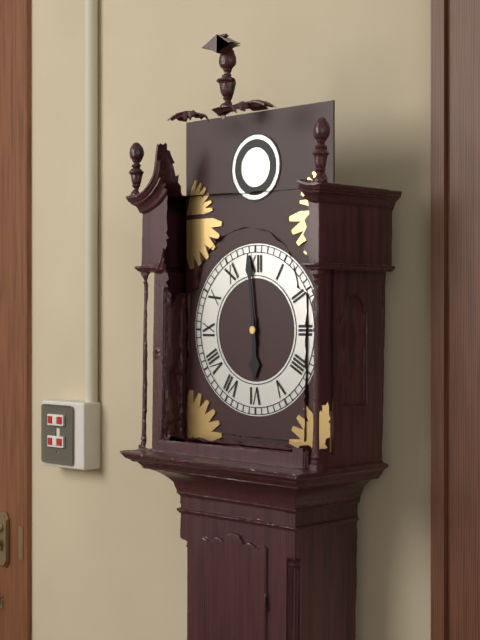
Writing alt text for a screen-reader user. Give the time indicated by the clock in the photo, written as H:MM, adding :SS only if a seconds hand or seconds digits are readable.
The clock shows 5:59
